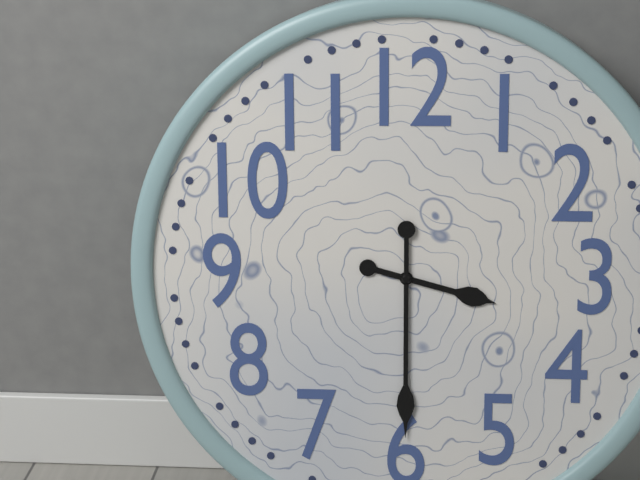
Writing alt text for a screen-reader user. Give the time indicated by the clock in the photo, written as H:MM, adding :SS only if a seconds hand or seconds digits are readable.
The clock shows 3:30
